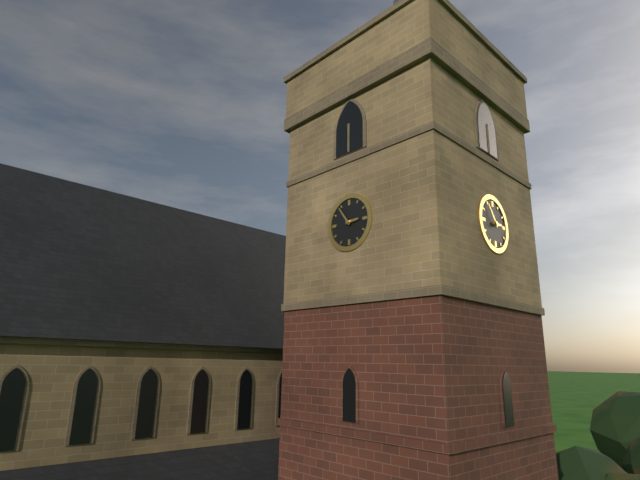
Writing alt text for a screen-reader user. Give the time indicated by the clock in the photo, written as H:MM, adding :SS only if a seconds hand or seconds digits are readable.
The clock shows 2:54
